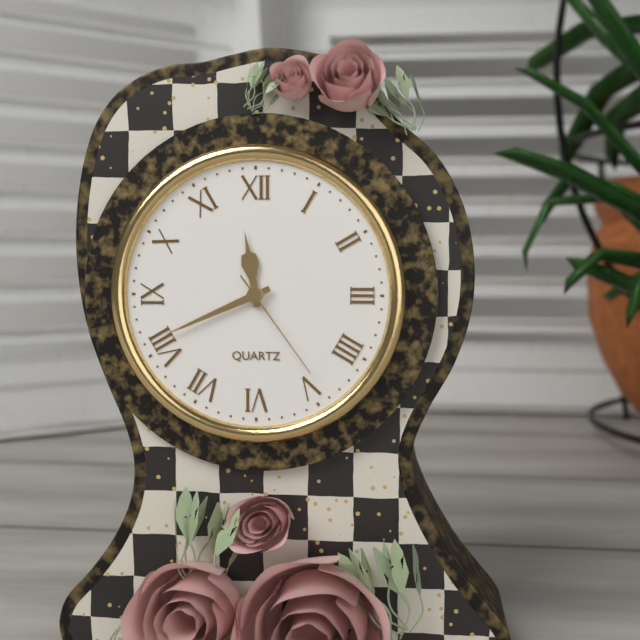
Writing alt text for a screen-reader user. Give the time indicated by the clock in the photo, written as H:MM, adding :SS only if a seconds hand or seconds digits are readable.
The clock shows 11:41:24
